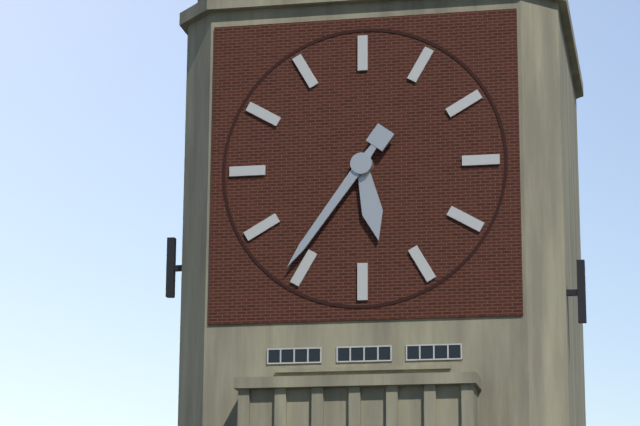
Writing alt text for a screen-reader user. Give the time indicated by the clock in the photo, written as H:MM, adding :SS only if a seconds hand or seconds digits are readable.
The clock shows 5:36
